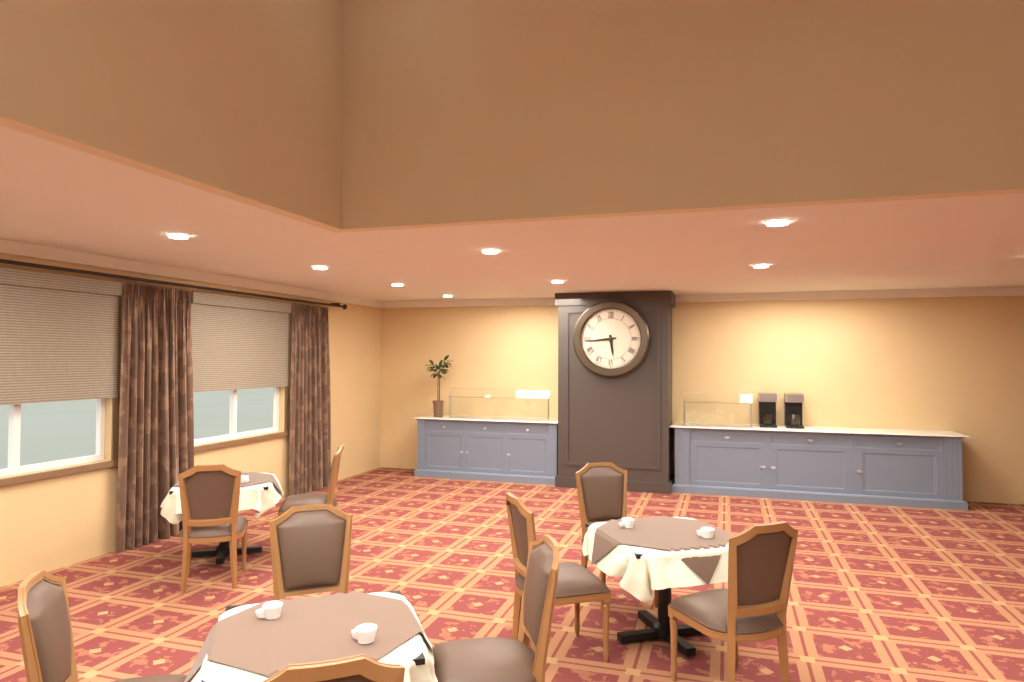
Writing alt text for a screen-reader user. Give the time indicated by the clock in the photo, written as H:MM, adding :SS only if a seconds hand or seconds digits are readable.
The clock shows 5:44
